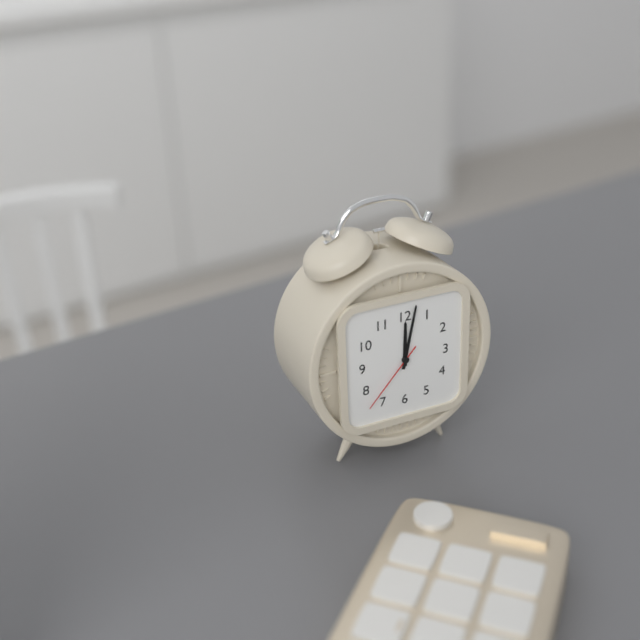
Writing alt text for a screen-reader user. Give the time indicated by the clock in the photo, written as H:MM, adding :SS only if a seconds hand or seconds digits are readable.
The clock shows 12:02:37
